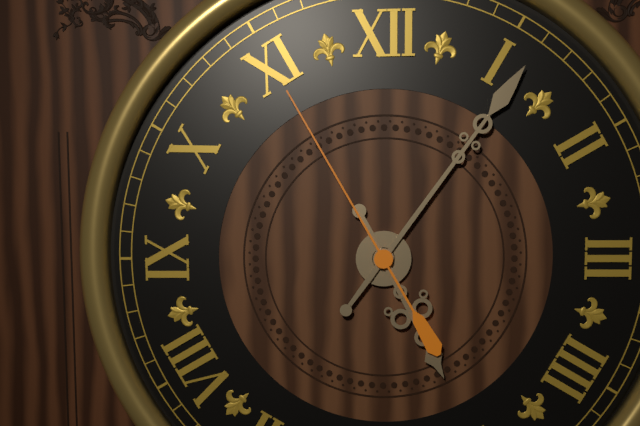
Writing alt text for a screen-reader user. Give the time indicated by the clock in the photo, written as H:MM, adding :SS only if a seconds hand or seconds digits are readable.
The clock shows 5:06:55
